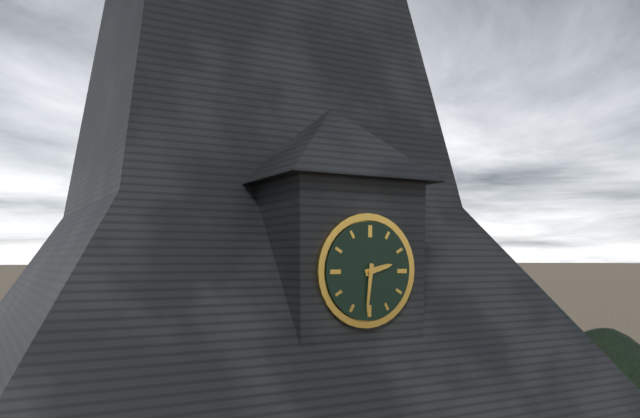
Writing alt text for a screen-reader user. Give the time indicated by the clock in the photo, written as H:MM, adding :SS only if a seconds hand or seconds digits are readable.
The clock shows 2:31
